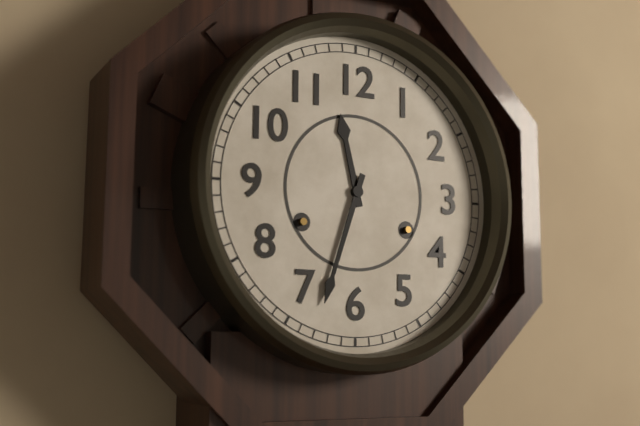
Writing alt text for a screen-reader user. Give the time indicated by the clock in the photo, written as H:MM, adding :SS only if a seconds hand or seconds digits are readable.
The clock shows 11:33
